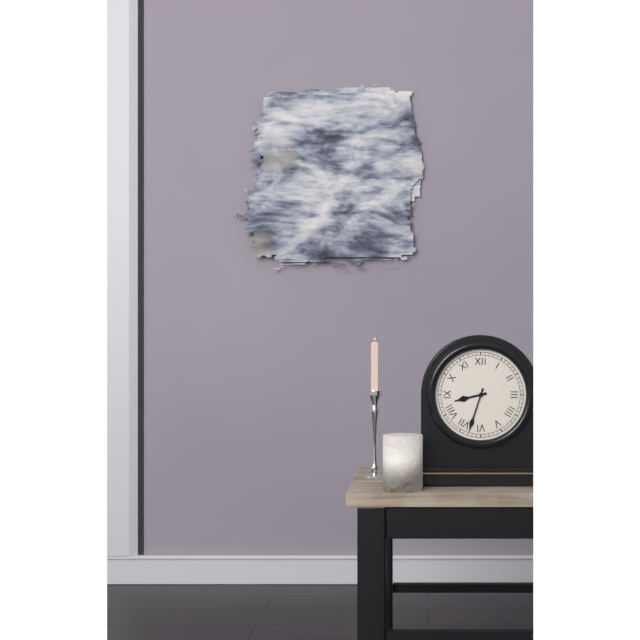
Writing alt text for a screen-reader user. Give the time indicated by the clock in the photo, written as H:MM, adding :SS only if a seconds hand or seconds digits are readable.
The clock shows 8:33
